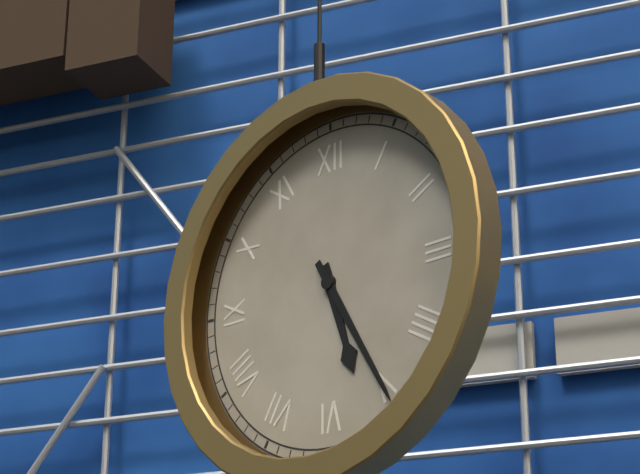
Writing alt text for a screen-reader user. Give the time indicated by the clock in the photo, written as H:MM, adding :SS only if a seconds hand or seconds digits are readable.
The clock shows 5:25
